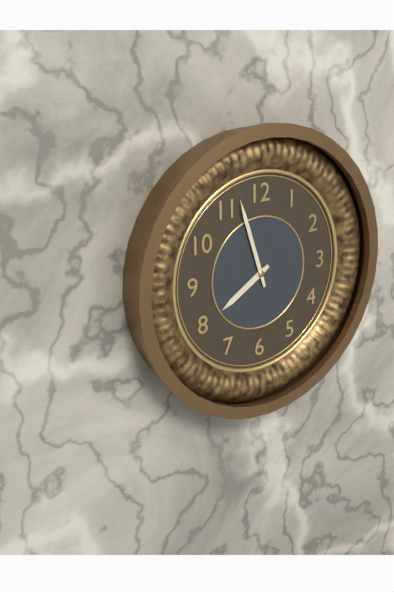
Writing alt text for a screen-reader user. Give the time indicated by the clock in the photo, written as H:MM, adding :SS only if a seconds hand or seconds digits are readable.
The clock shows 7:57
